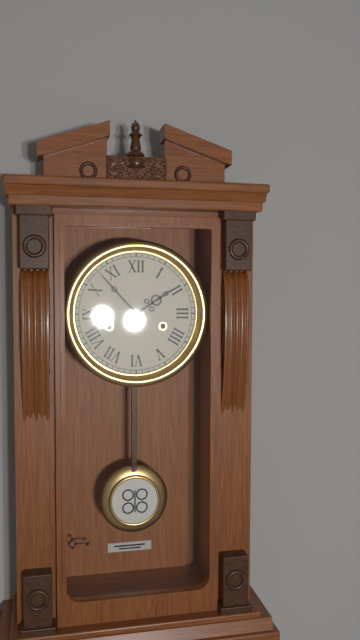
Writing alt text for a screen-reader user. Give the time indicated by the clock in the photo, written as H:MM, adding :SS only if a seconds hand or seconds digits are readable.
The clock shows 1:53
